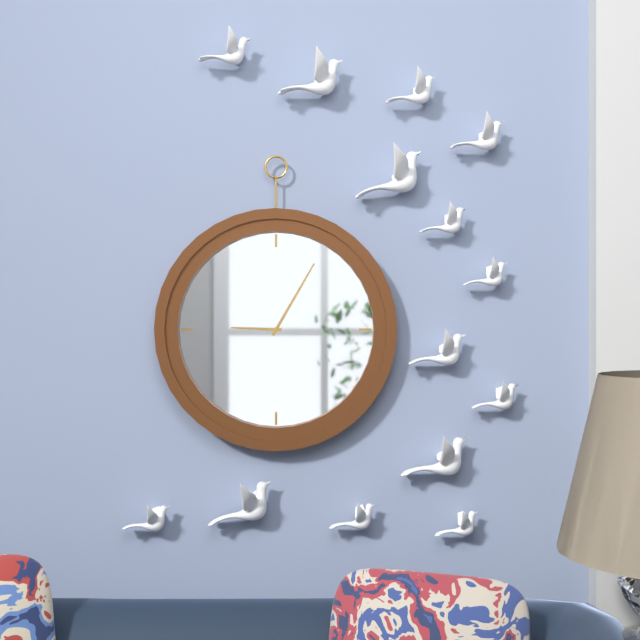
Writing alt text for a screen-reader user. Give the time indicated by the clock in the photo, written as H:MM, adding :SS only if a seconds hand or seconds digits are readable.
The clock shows 9:05
